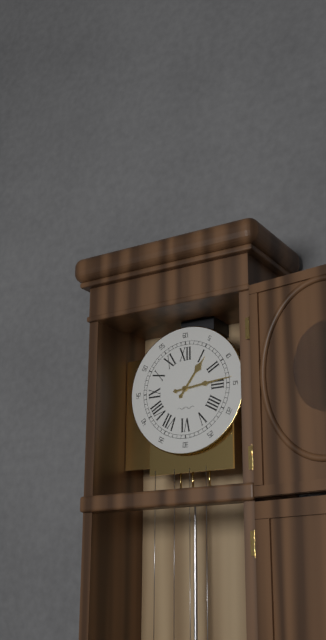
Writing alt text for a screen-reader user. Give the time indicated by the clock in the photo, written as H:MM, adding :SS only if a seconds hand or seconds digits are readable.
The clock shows 1:14
